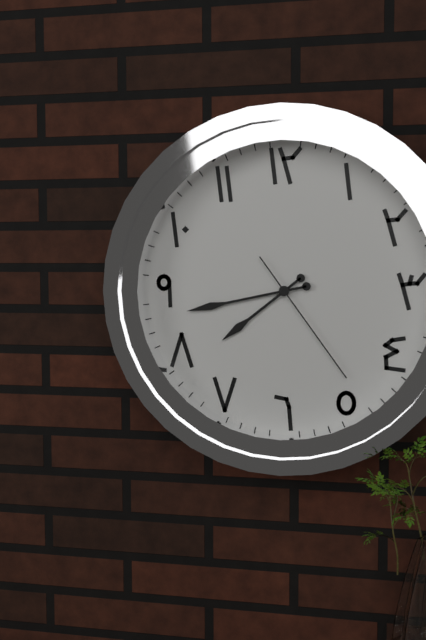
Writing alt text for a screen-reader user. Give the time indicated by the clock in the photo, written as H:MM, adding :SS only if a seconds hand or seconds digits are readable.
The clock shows 7:43:24
